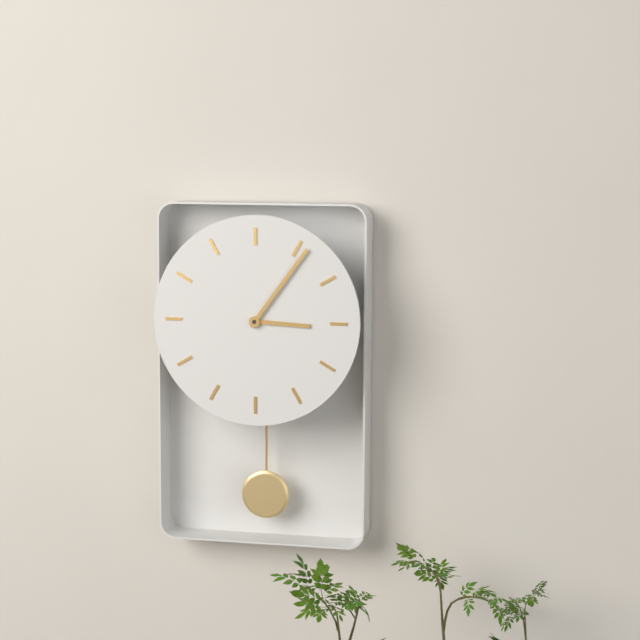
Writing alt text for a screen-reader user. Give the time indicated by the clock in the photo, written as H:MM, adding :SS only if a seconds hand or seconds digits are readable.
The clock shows 3:06
